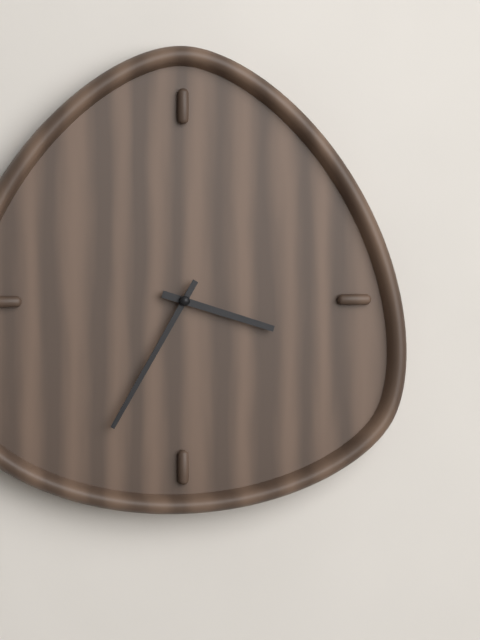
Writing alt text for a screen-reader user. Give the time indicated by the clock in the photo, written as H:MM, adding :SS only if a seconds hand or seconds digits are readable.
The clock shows 3:35
